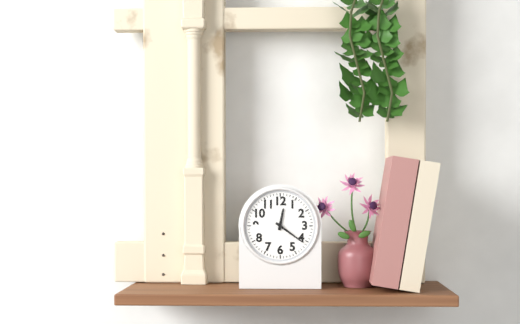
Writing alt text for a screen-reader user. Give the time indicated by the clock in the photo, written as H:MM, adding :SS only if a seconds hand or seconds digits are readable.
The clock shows 12:21
